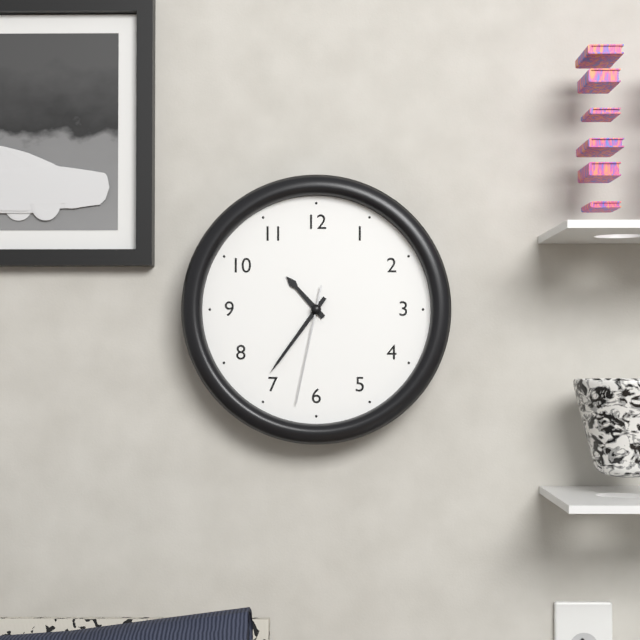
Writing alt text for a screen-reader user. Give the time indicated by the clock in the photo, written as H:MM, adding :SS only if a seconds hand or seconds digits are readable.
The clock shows 10:36:32
